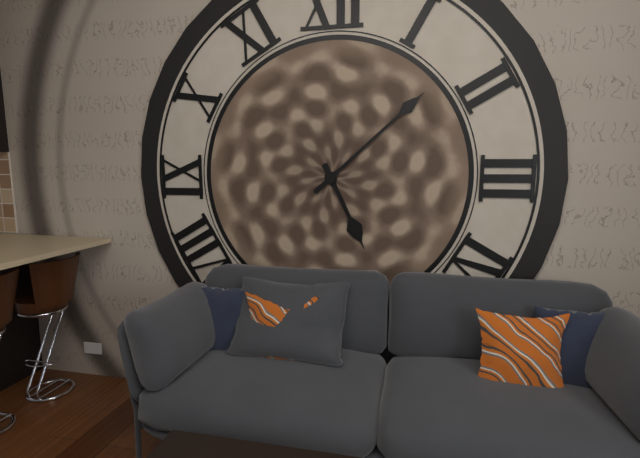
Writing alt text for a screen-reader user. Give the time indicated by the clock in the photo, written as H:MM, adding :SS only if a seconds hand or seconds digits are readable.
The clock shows 5:08
